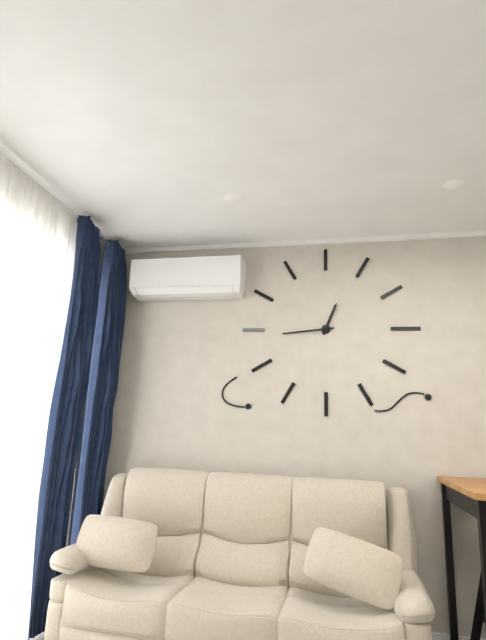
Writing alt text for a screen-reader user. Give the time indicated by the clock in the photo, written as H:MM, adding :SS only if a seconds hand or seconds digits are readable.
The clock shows 12:44
